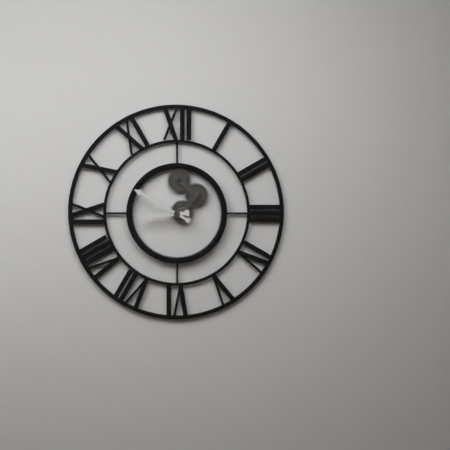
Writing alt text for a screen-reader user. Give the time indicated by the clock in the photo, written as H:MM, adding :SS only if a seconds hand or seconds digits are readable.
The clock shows 8:50
